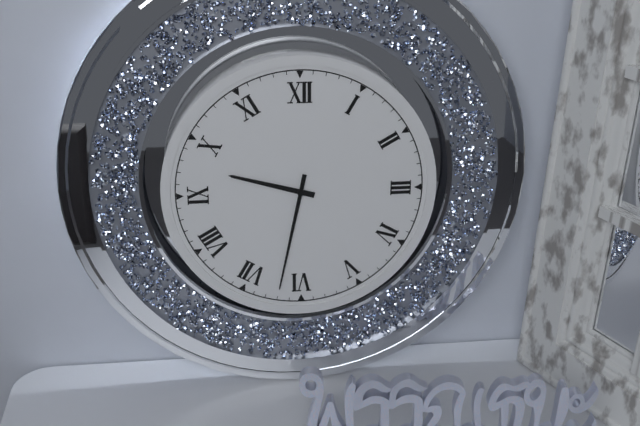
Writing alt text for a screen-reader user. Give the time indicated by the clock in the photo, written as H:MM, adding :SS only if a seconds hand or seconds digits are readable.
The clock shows 9:32
